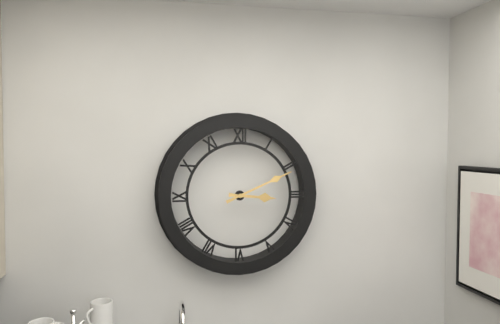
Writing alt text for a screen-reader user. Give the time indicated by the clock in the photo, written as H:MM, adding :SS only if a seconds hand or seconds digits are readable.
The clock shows 3:11
